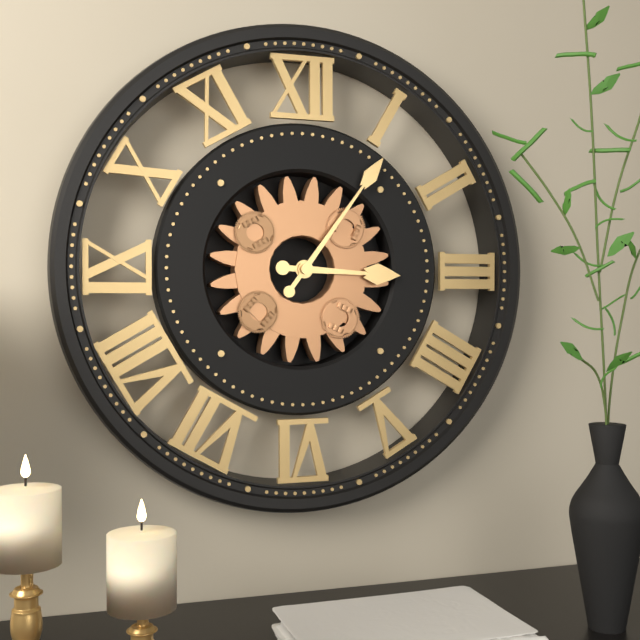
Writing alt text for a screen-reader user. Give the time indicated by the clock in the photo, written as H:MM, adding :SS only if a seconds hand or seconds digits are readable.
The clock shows 3:06
